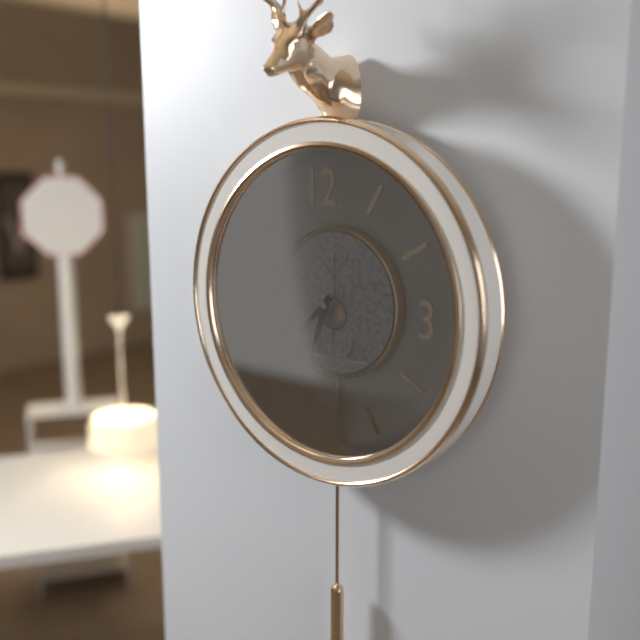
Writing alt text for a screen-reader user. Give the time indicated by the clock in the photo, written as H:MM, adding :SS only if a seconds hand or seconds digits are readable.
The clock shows 6:38
